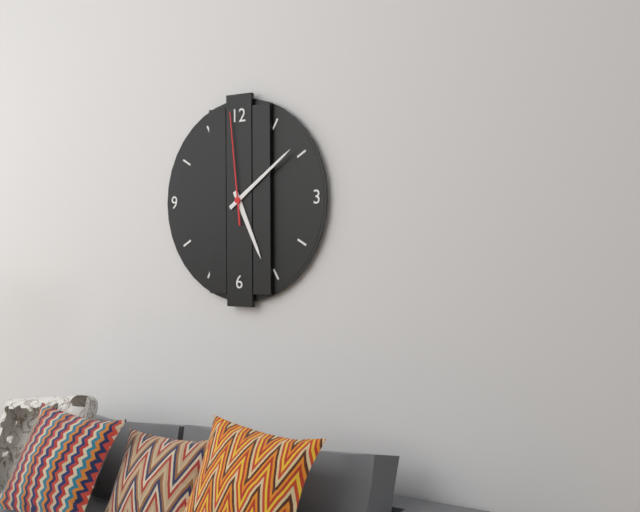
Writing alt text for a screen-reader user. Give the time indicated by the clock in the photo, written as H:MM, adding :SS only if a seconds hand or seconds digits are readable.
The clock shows 5:09:59
